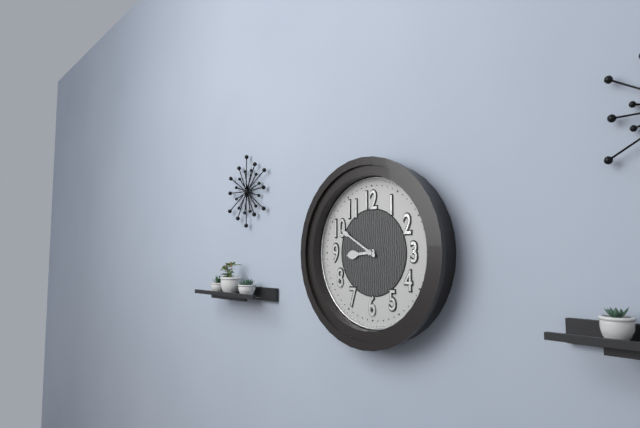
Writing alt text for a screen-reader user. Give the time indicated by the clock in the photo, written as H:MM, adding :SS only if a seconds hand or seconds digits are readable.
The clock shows 8:50
